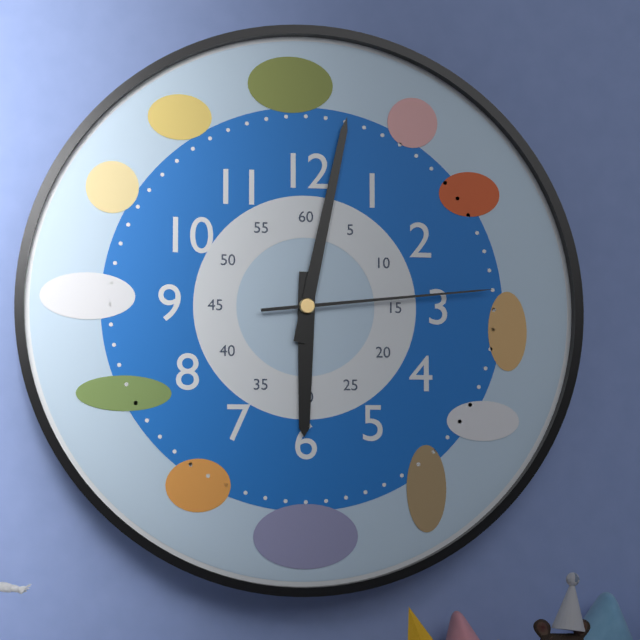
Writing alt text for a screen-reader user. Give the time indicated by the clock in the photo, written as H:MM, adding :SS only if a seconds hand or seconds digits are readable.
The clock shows 6:02:14
